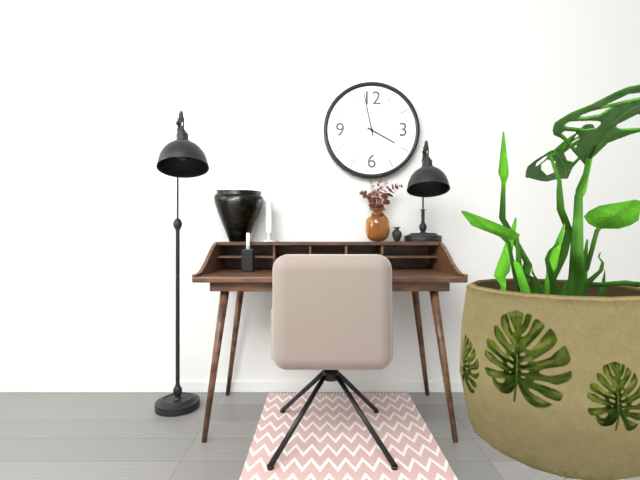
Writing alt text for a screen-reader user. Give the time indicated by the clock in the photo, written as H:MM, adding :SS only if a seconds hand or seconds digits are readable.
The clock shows 3:58
